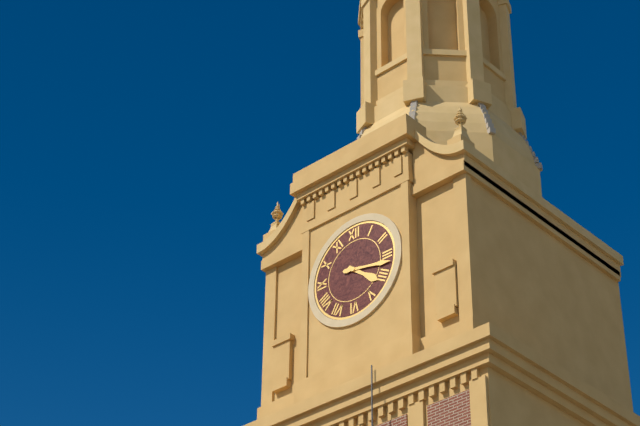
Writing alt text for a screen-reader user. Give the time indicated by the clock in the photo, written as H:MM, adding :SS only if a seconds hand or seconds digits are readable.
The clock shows 4:17
